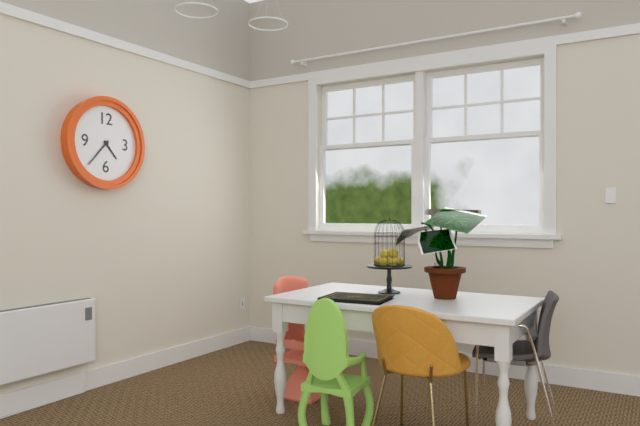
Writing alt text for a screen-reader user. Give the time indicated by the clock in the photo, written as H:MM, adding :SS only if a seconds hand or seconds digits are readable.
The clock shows 4:37
